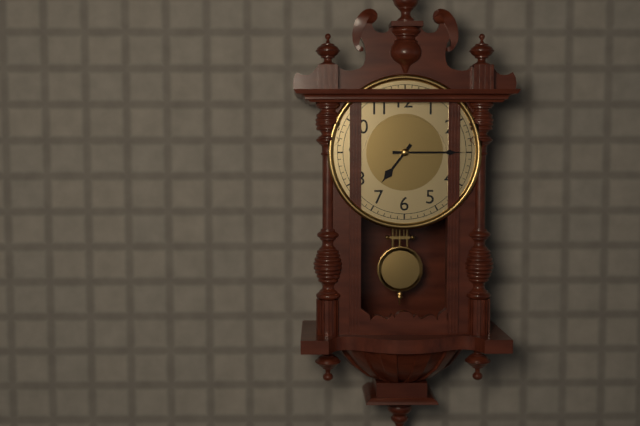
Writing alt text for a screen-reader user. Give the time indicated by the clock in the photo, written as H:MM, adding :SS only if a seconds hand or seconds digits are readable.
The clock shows 7:15
